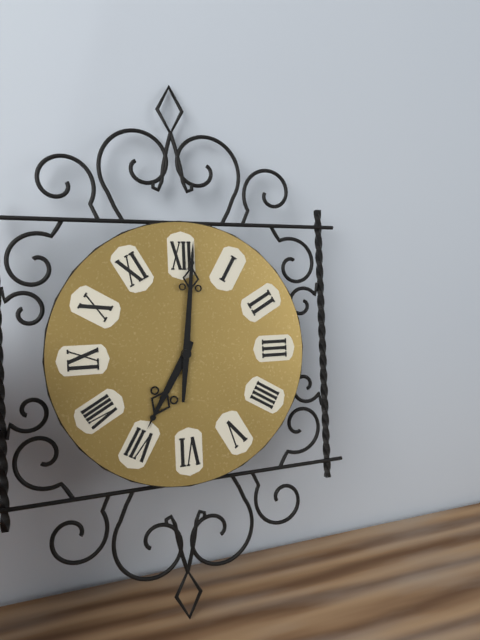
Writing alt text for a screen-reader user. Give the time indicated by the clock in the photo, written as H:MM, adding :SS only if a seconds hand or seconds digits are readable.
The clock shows 7:01
